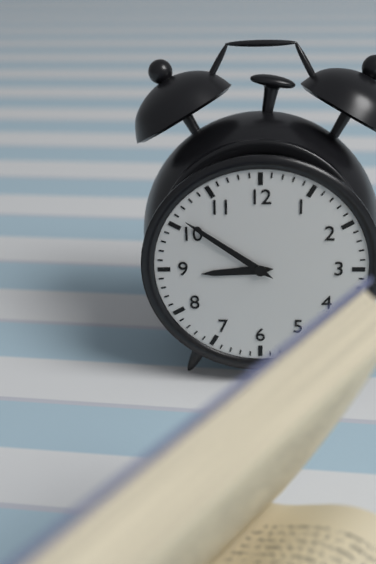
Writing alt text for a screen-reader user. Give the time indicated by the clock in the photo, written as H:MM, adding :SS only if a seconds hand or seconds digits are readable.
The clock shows 8:51
